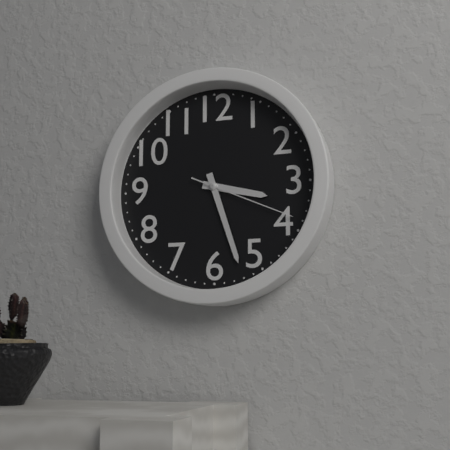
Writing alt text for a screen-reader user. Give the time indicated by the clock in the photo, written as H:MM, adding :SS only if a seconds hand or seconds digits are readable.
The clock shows 3:27:19
